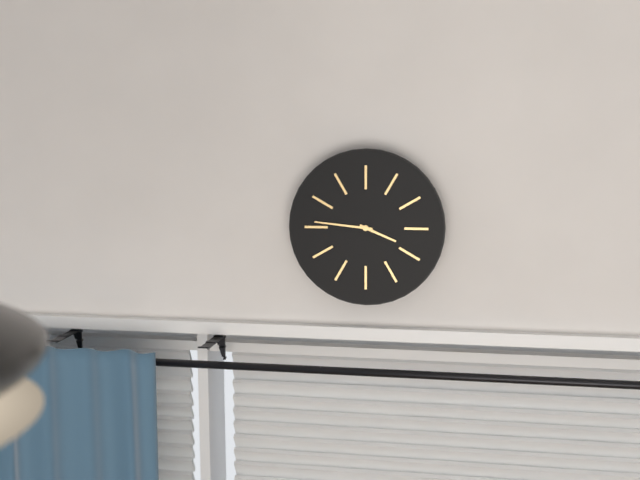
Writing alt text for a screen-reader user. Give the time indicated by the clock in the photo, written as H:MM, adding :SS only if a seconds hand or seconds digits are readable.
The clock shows 3:46
